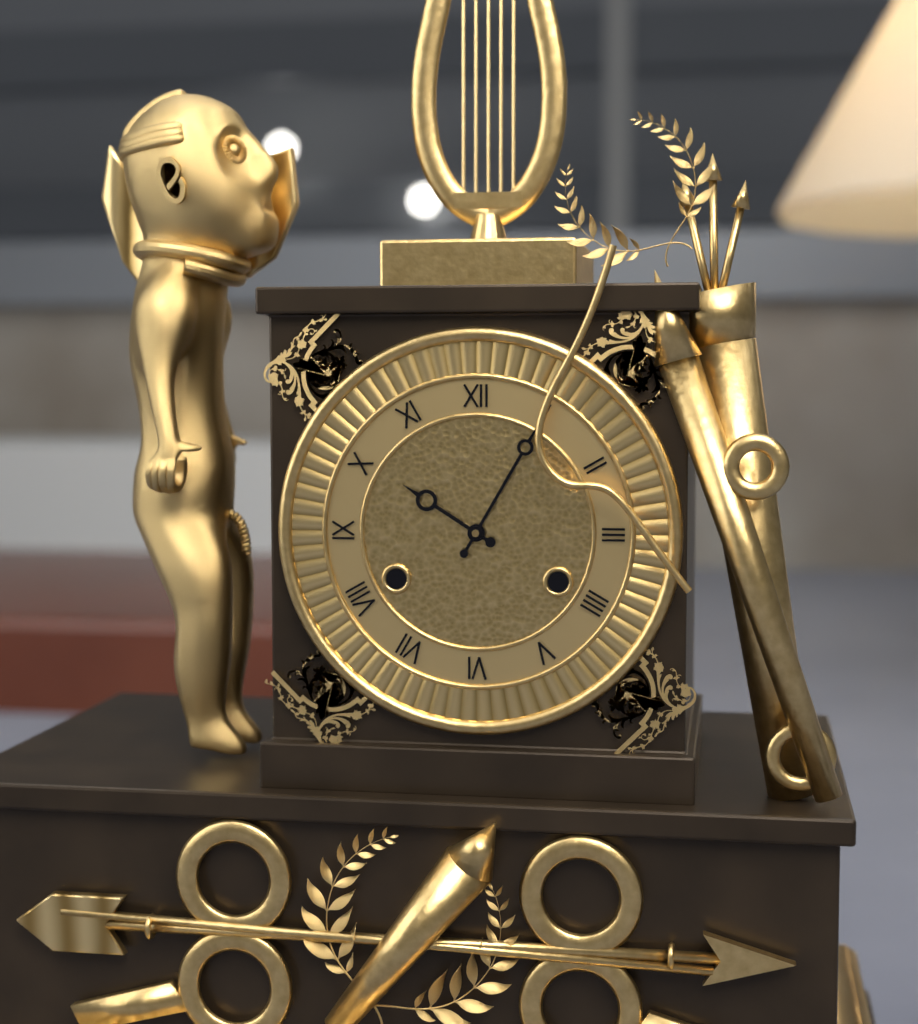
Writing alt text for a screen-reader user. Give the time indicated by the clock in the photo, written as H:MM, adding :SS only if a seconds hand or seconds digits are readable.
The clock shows 10:05
